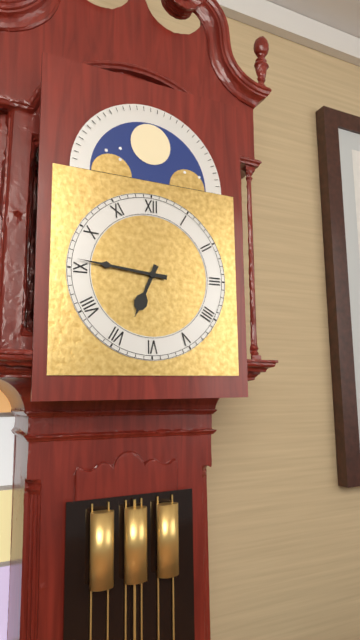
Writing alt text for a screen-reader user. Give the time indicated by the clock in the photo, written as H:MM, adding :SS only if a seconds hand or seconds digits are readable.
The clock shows 6:46
